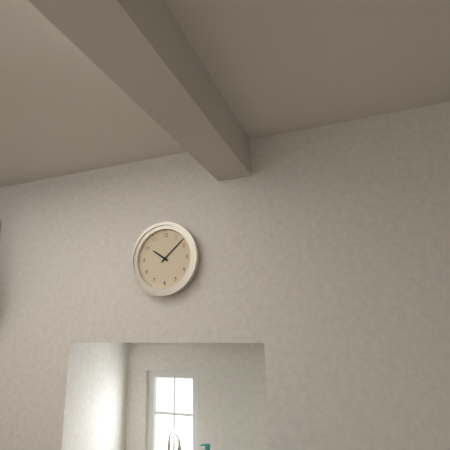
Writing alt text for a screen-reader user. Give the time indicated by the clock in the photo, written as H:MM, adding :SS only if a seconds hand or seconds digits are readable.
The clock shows 10:08
